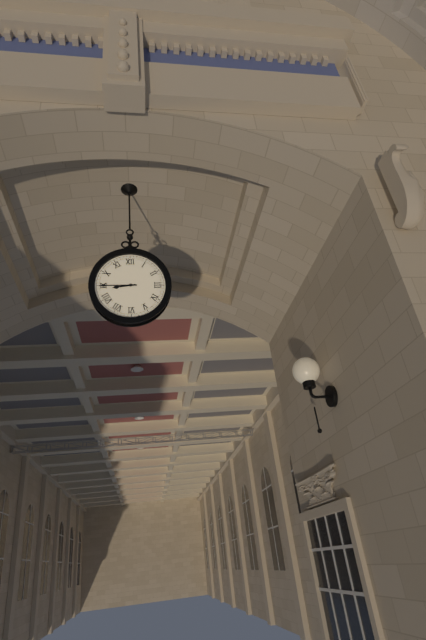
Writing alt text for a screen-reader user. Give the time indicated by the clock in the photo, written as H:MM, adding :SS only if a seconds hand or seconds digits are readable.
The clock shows 8:45
